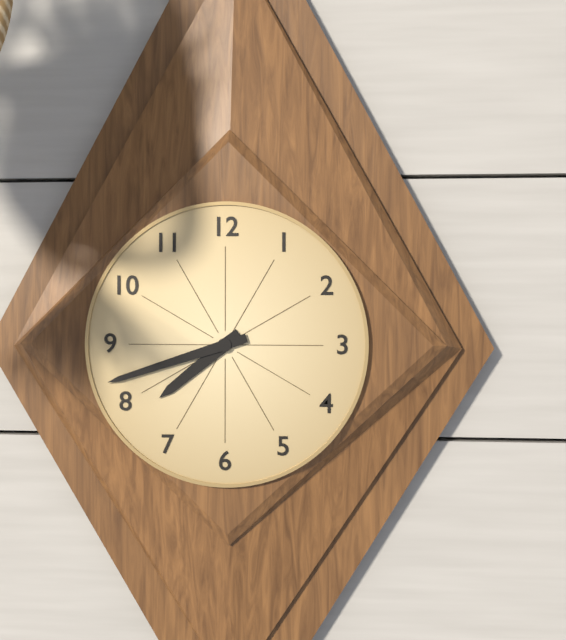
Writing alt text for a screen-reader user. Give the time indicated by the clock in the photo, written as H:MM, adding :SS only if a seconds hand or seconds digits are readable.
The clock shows 7:42
